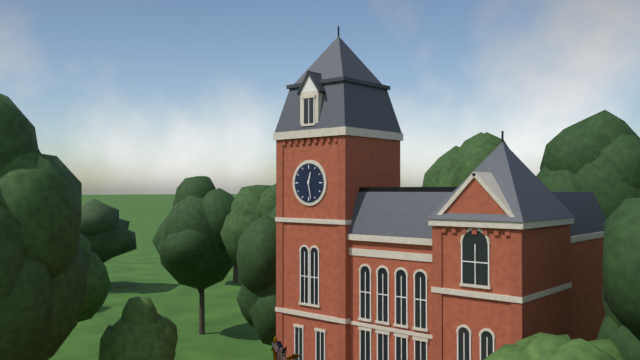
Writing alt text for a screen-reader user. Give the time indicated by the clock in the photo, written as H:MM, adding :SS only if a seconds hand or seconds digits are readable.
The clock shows 12:28
